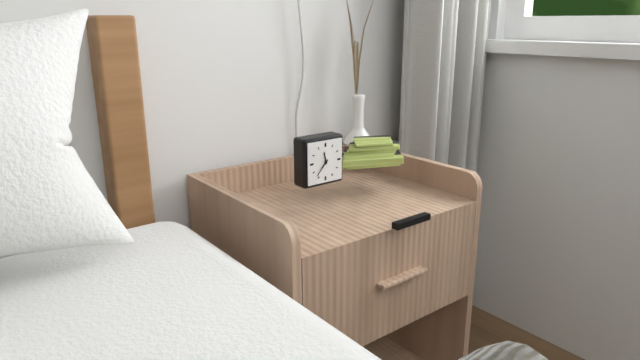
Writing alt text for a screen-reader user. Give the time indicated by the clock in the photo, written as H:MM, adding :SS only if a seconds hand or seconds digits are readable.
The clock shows 11:37
